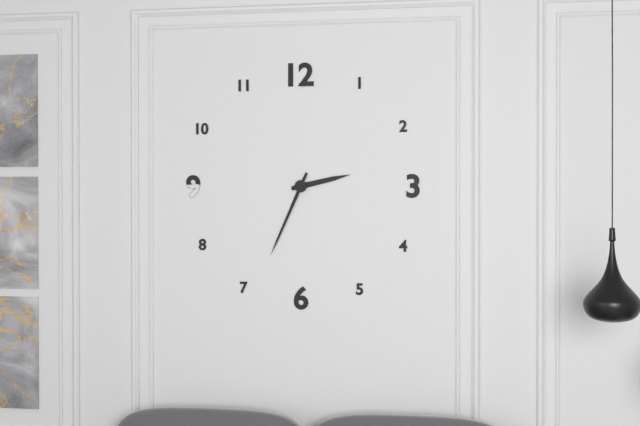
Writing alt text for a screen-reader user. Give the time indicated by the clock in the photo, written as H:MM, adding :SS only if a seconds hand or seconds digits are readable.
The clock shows 2:34
